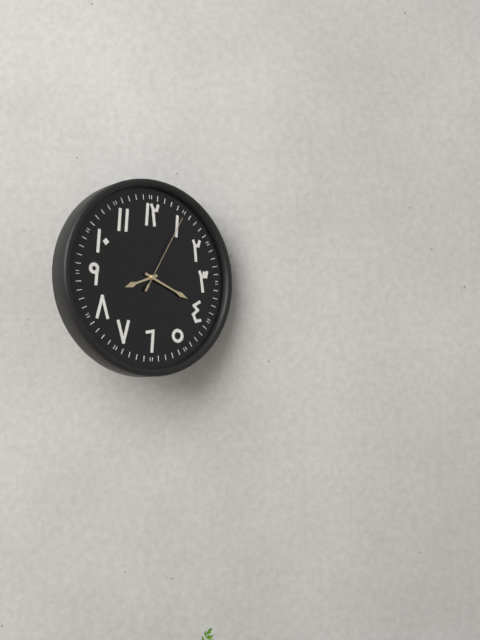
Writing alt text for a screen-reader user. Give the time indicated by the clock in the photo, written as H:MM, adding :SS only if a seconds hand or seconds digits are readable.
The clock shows 8:19:05
